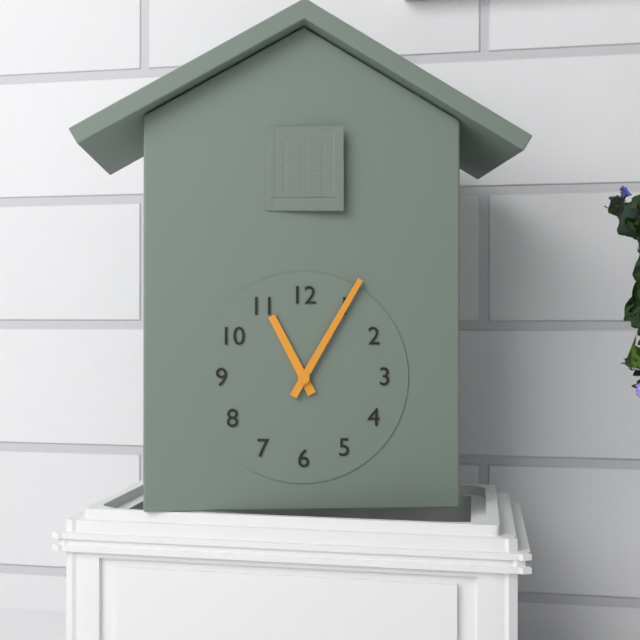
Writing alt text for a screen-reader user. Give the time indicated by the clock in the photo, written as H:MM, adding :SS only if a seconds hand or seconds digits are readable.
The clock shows 11:05
